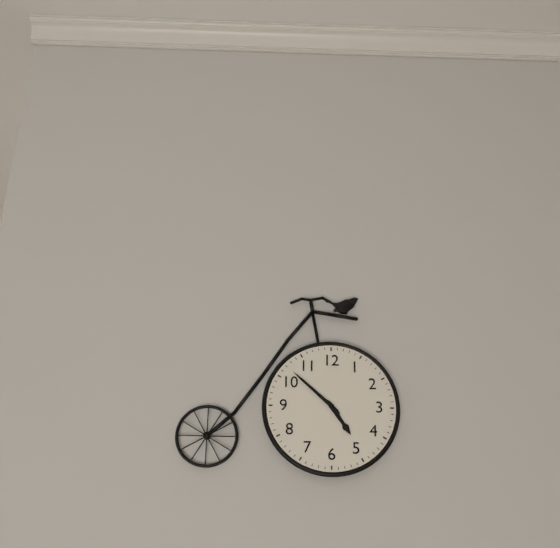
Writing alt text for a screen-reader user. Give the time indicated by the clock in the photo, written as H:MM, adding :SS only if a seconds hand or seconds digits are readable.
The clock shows 4:52
